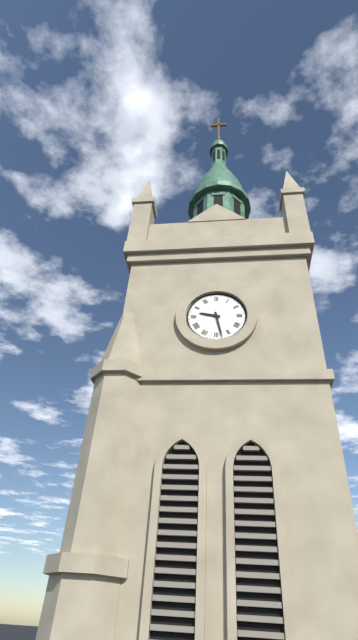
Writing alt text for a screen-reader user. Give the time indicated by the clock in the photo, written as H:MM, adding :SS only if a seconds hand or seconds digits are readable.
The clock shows 9:28
